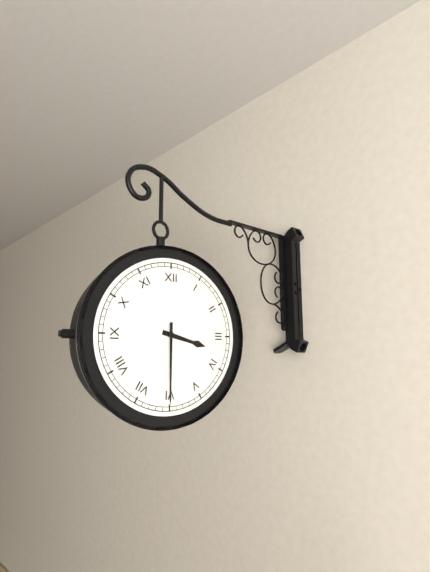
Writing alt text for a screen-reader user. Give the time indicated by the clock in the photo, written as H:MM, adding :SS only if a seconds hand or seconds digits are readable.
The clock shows 3:30
